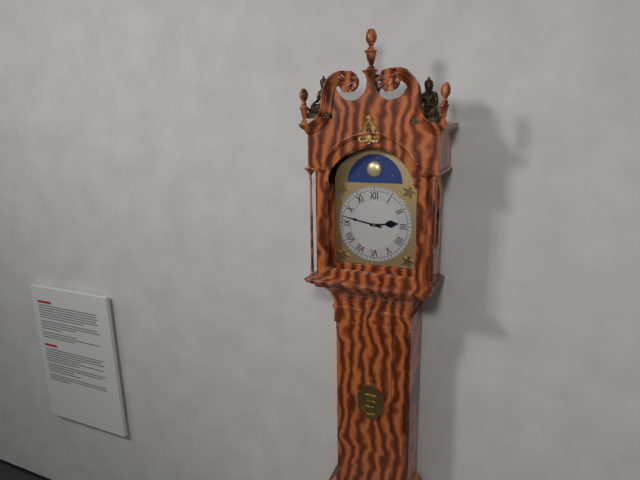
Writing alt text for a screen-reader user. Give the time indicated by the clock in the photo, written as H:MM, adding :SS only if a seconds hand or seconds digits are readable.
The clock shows 2:47
